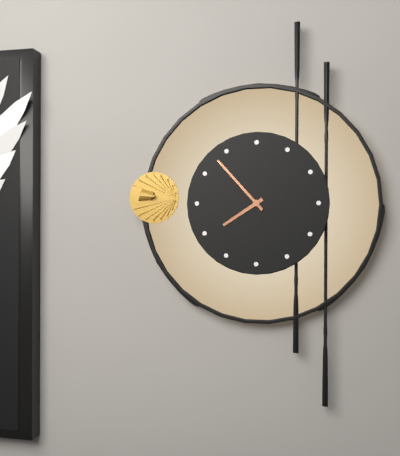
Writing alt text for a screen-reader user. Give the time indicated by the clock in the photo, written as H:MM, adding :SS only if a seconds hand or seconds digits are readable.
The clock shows 7:53
